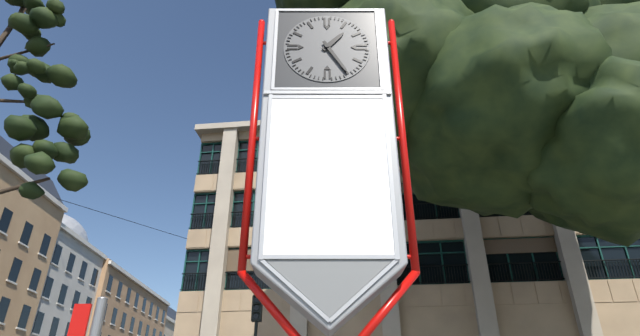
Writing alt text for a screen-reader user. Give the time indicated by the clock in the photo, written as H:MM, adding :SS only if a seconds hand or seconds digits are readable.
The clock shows 1:25
